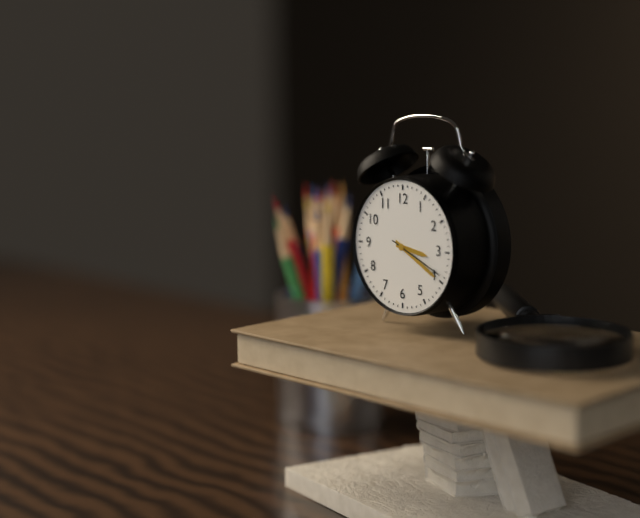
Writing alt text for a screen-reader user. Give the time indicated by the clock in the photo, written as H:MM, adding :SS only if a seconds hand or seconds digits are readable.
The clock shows 3:20:19
